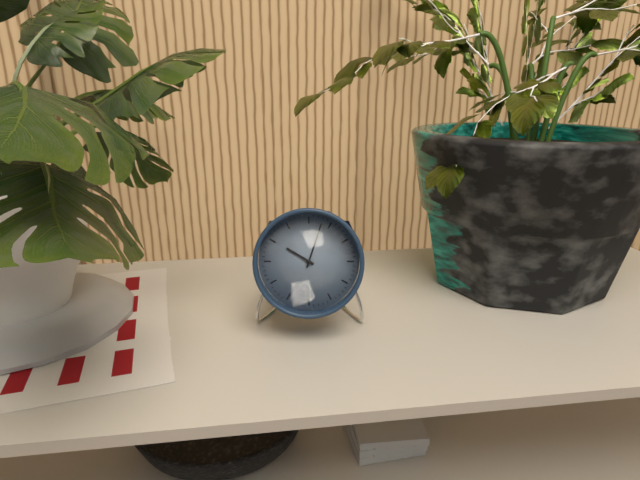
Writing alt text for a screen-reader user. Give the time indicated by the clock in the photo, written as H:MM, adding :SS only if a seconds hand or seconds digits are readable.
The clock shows 10:03
